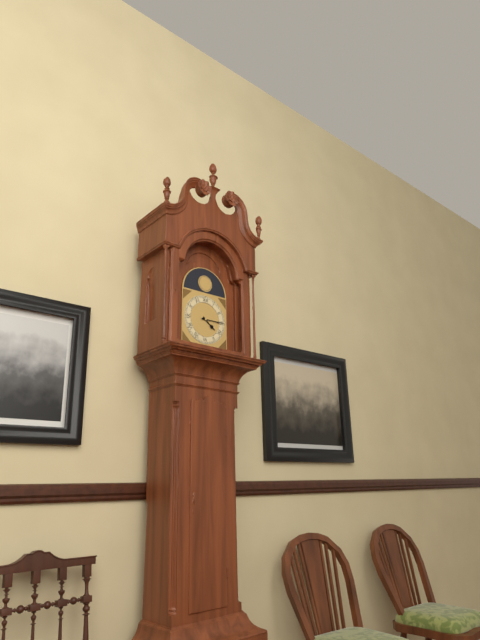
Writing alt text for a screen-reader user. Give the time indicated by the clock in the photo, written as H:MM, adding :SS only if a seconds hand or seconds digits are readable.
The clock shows 4:15
